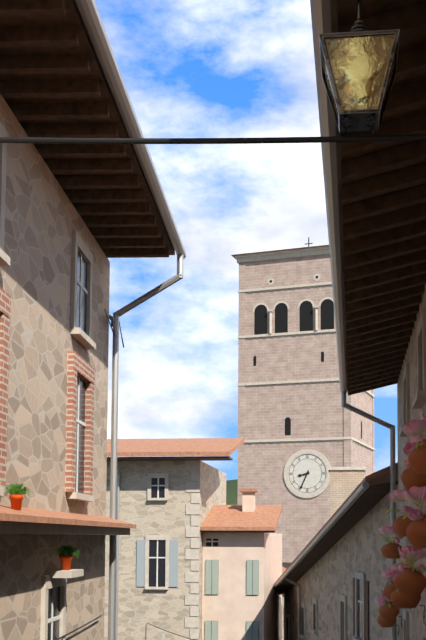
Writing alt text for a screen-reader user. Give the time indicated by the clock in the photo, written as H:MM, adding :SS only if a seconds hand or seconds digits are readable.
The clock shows 8:34
